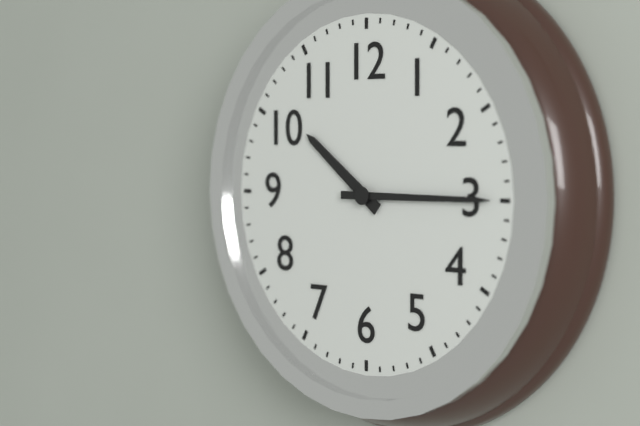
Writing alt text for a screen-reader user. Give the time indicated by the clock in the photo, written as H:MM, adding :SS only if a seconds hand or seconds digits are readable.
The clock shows 10:15
